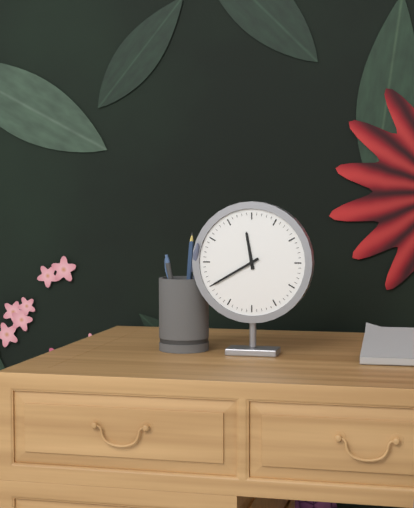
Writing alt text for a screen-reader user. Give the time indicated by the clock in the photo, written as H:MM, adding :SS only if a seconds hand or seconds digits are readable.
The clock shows 11:40
